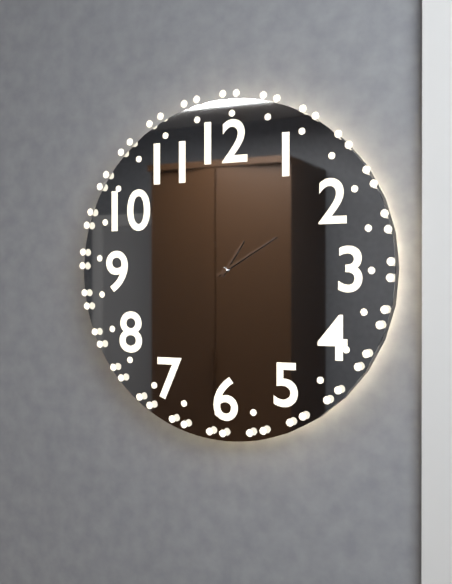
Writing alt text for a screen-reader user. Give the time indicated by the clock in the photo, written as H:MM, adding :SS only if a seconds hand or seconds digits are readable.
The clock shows 1:10
